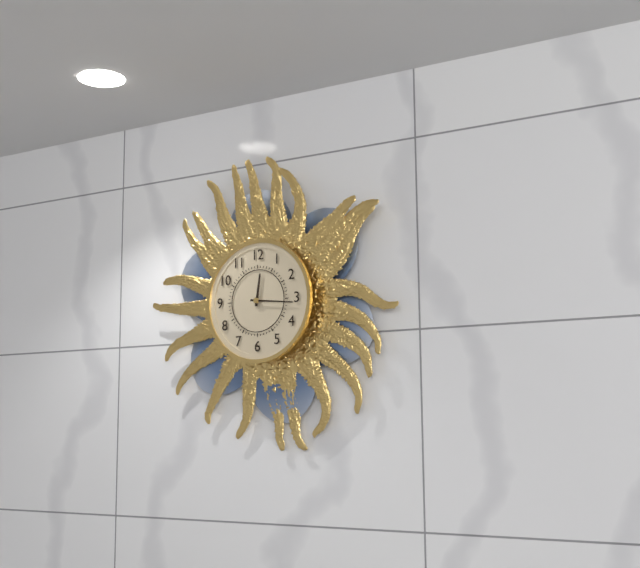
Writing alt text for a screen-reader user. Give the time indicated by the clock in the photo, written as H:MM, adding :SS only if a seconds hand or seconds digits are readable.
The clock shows 12:16
